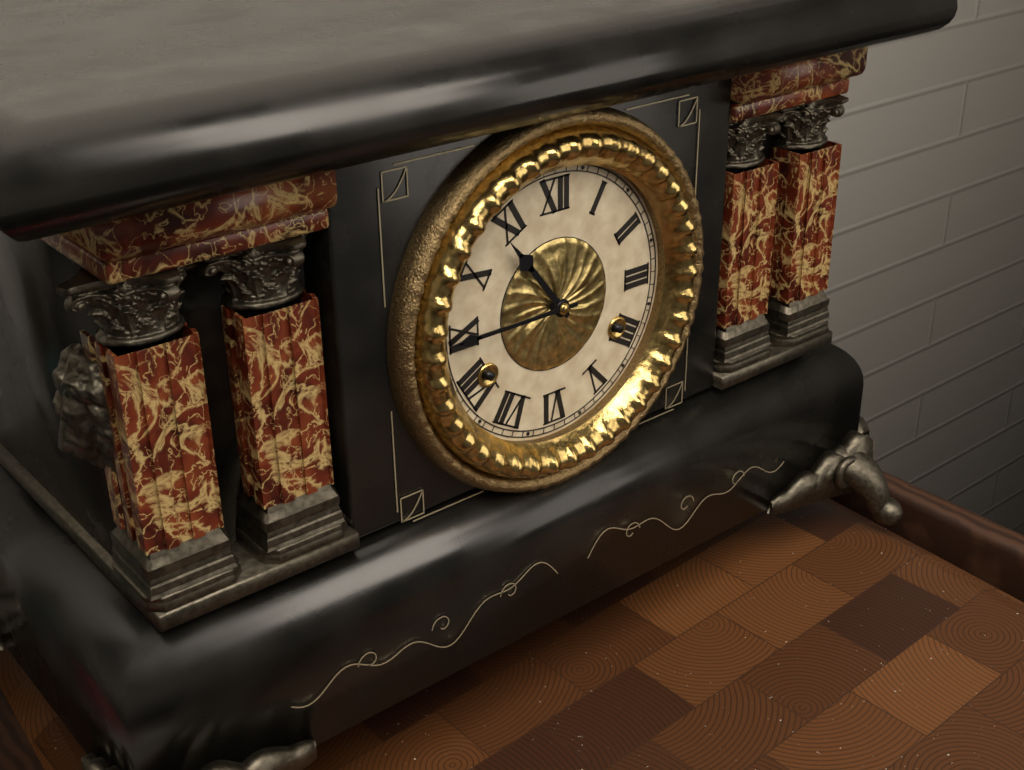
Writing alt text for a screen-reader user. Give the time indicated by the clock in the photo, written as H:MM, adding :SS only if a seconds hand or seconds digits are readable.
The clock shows 10:45
